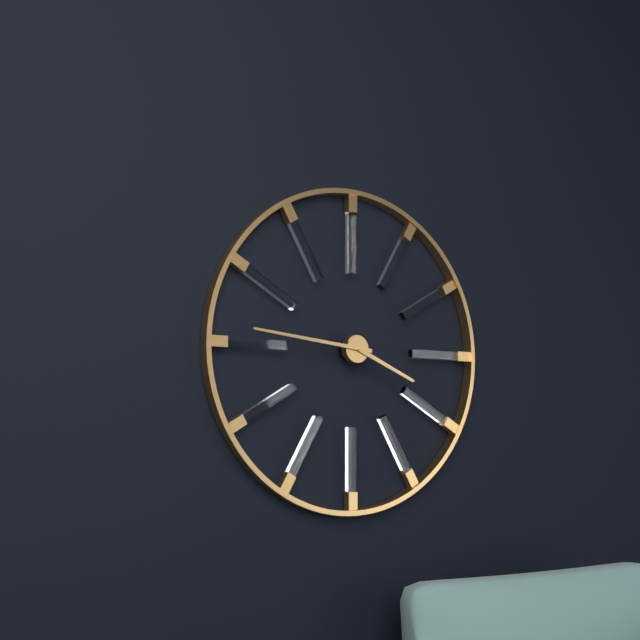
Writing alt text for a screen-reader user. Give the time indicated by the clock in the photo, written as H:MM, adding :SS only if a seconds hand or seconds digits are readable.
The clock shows 3:46
